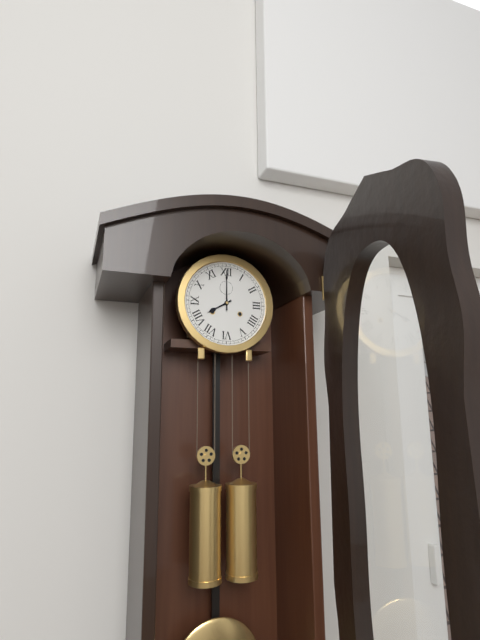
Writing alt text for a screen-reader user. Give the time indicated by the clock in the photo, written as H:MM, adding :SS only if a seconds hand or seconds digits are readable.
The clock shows 8:00
